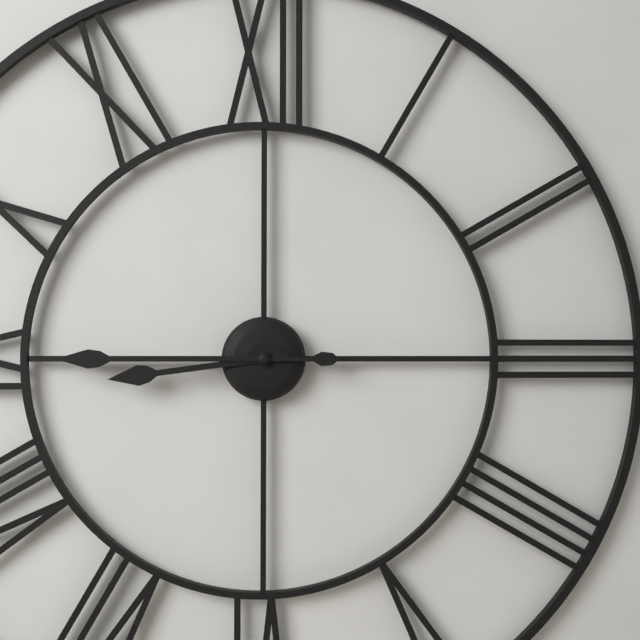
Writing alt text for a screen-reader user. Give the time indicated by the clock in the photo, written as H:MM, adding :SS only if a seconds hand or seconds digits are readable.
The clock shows 8:45
